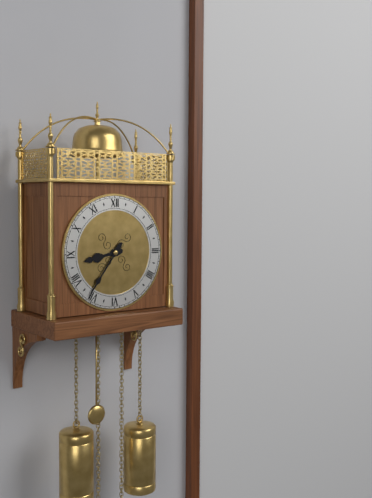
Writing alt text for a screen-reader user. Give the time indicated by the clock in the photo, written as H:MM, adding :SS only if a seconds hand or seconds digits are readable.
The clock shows 8:36
